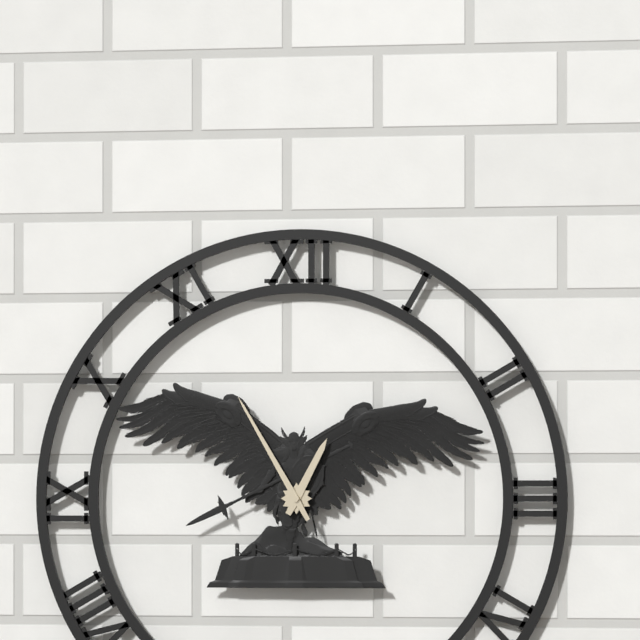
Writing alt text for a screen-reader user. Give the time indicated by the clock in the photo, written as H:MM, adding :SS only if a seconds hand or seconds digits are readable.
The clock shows 12:55
